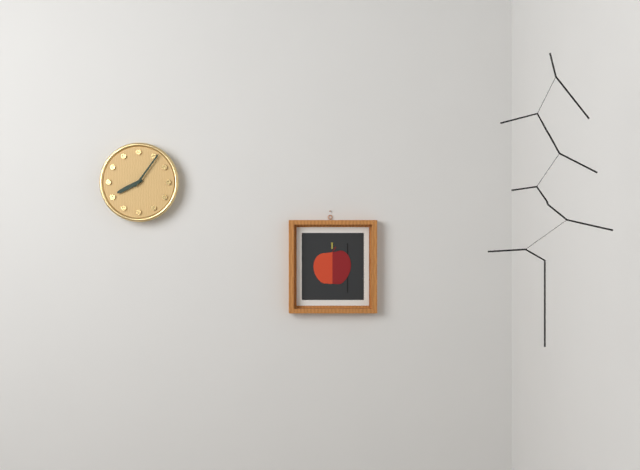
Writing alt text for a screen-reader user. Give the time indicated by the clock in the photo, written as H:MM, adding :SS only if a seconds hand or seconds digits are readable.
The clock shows 8:06
